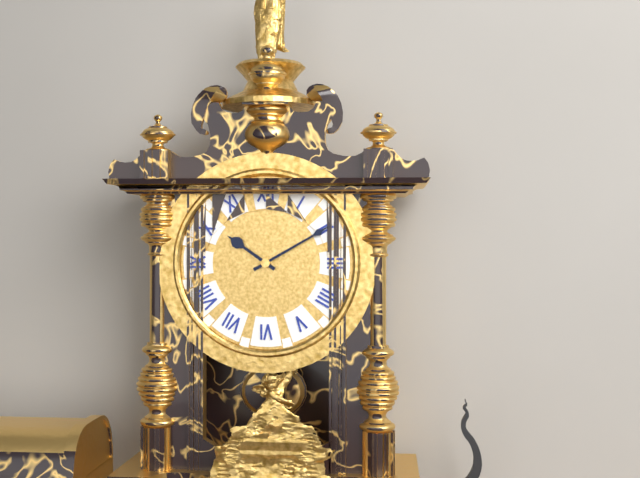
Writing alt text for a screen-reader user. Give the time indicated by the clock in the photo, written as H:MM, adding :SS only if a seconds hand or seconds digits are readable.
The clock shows 10:10
